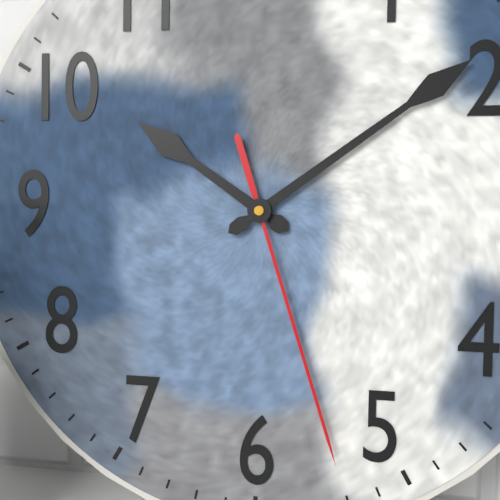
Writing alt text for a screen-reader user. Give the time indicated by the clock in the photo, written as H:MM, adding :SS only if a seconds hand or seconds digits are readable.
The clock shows 10:09:27
